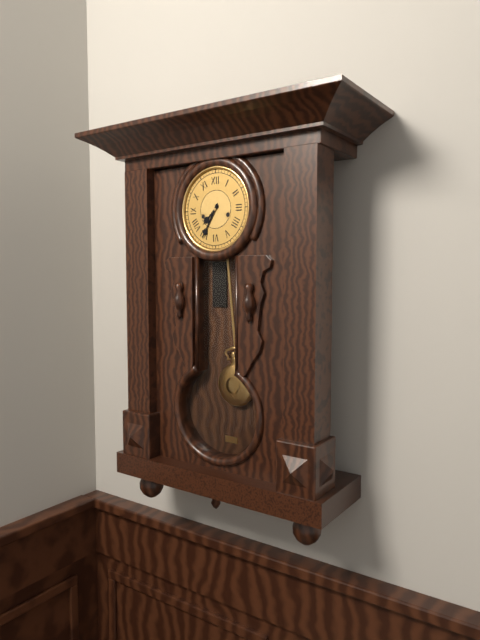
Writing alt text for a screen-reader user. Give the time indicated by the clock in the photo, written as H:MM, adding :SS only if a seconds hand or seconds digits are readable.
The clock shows 7:35
